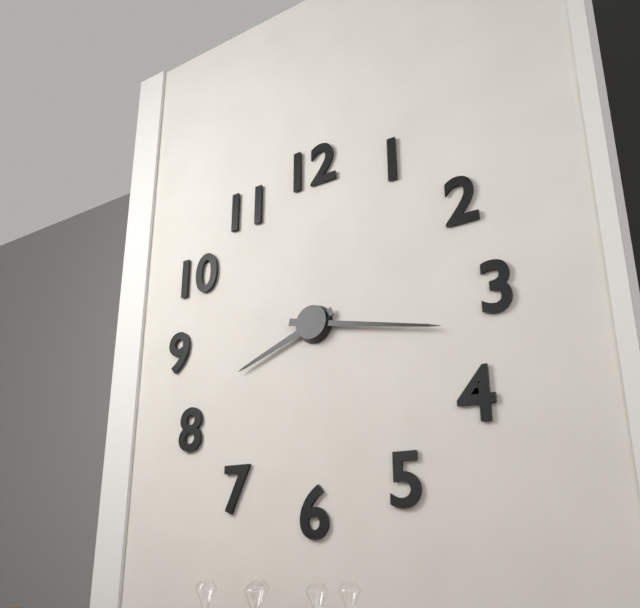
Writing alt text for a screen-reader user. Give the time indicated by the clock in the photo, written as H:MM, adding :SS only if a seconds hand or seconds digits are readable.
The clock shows 8:17
